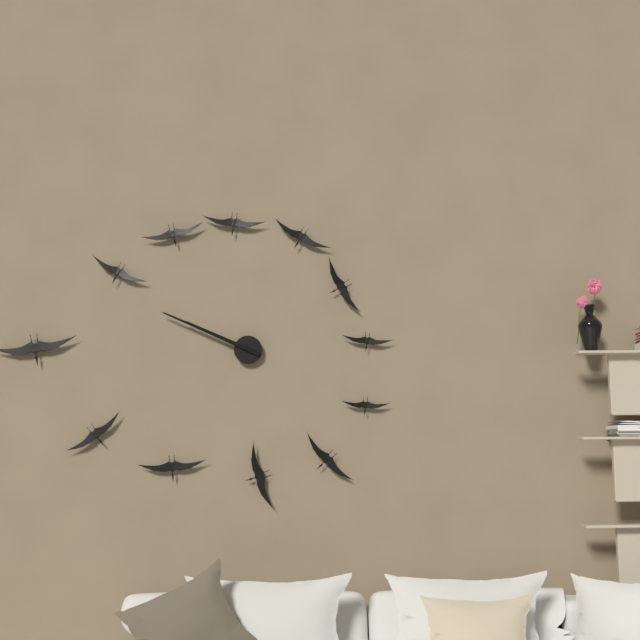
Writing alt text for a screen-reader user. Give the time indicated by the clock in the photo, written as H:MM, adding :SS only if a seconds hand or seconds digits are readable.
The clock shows 9:49
